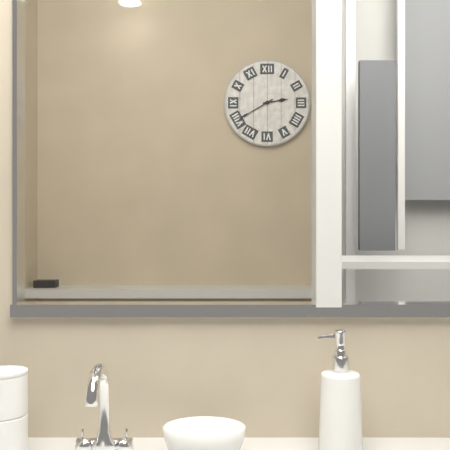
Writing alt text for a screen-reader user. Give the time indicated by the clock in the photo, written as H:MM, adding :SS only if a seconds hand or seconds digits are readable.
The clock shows 2:40
